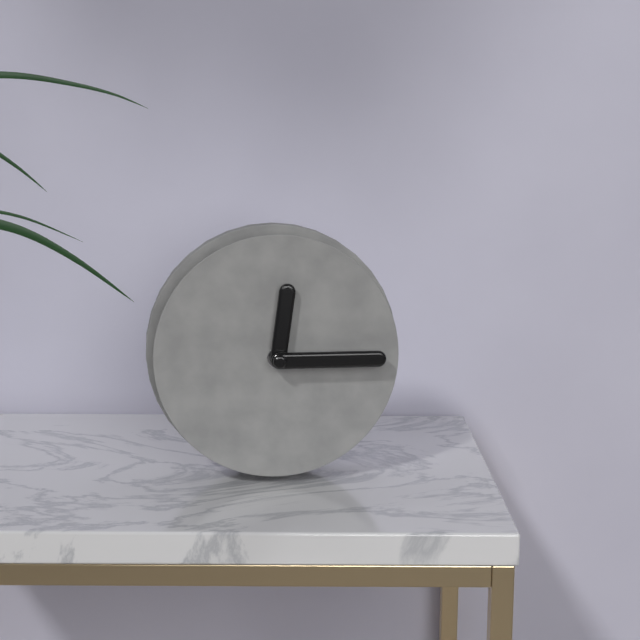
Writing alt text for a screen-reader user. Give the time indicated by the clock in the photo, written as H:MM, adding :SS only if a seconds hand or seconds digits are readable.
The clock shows 12:15
